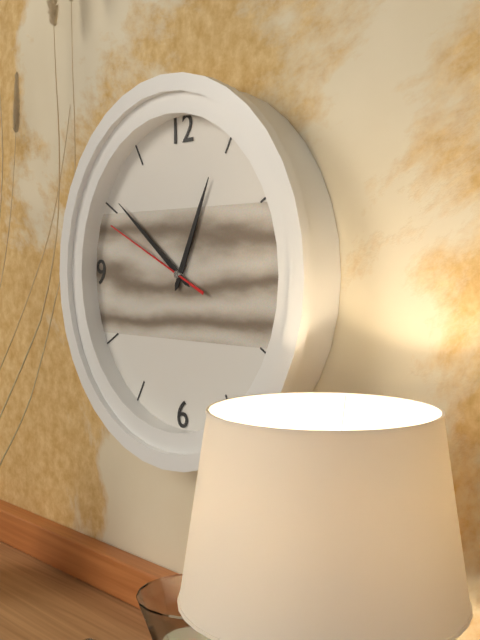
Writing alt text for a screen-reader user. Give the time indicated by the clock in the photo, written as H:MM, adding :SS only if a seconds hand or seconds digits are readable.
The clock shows 12:51:49
